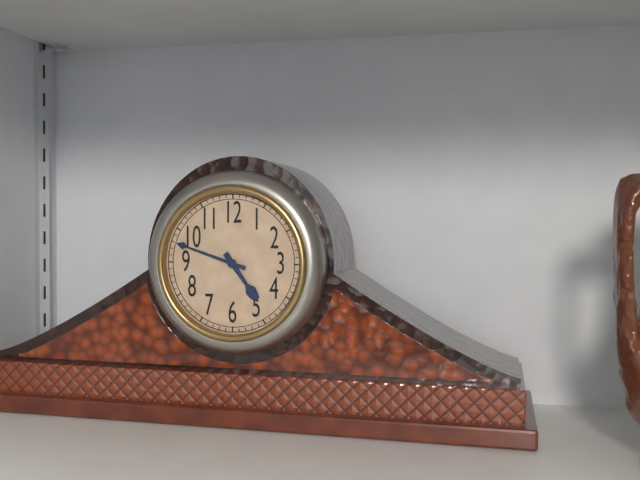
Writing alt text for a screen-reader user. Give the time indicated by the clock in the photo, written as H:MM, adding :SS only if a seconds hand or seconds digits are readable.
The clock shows 4:48
